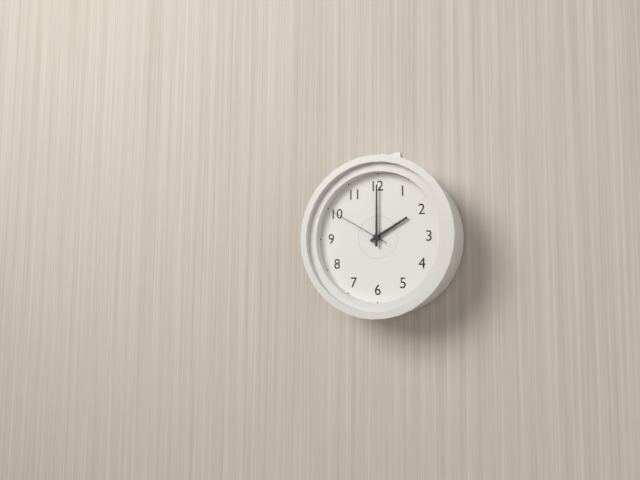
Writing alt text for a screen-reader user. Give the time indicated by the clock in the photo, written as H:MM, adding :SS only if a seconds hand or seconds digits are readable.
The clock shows 2:00:50
